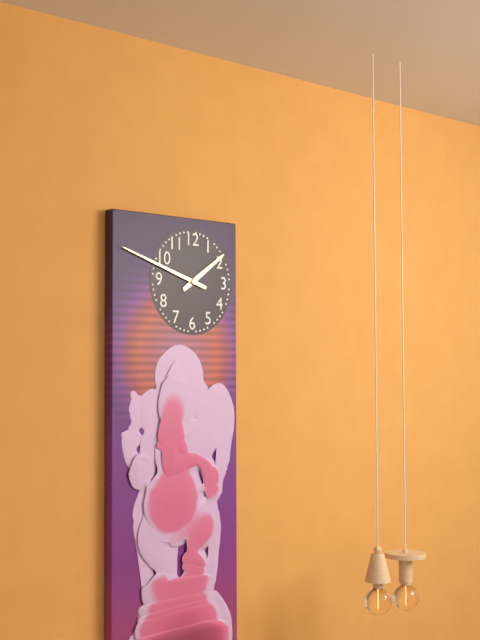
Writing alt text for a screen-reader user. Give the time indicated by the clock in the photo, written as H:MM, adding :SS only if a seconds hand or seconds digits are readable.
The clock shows 1:48
